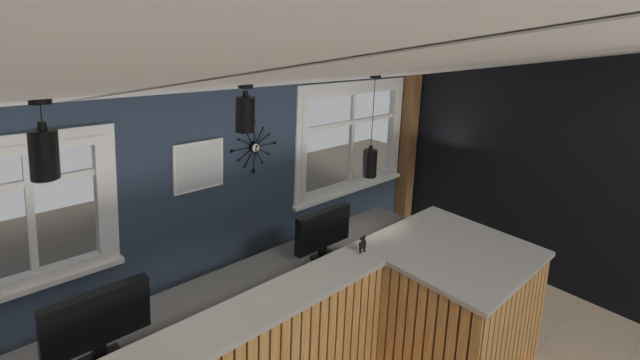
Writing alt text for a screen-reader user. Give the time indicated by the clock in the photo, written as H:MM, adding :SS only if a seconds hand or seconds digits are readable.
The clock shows 6:05
